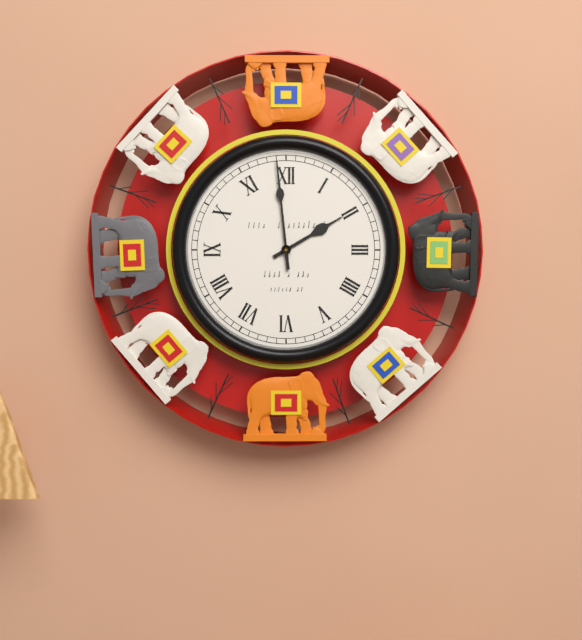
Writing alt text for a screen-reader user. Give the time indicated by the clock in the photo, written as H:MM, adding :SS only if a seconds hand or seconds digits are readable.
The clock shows 1:59
